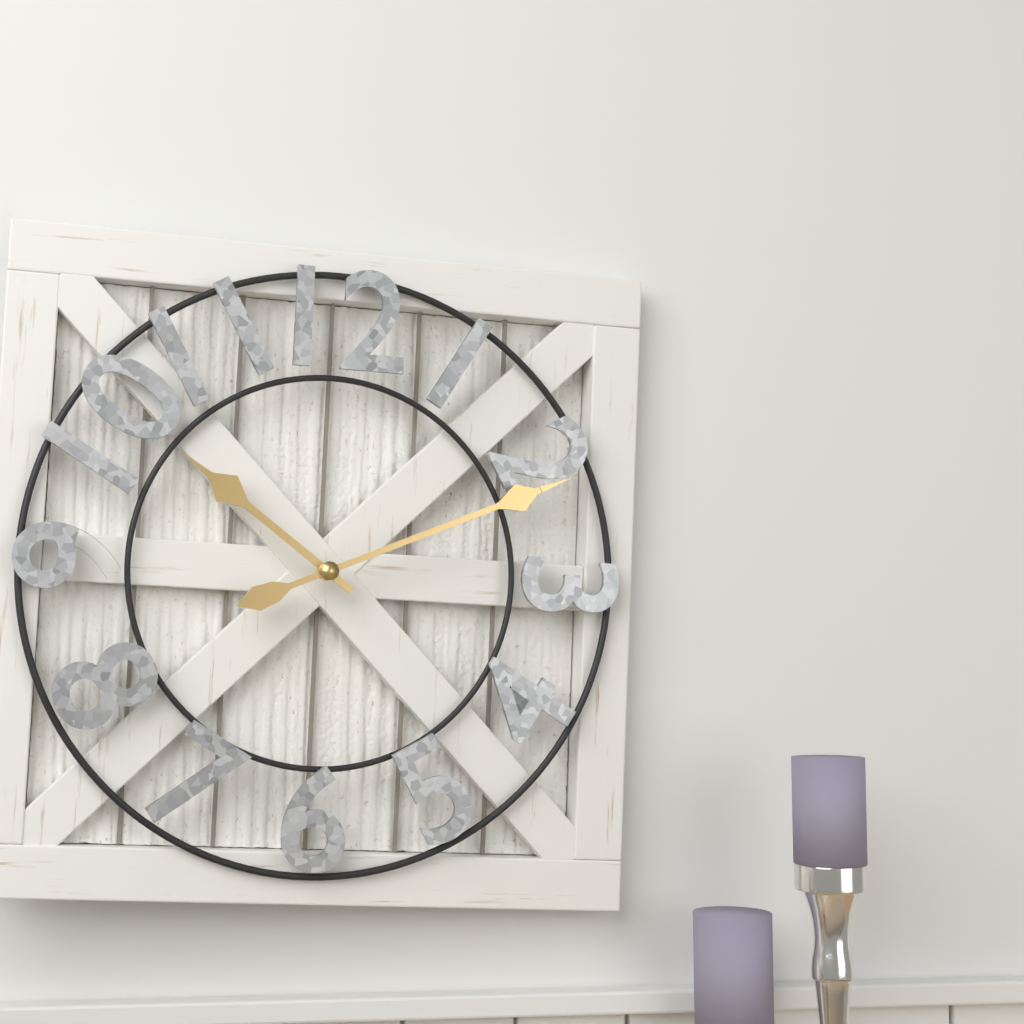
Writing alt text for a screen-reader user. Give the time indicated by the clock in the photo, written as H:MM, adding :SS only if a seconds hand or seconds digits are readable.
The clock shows 10:11
